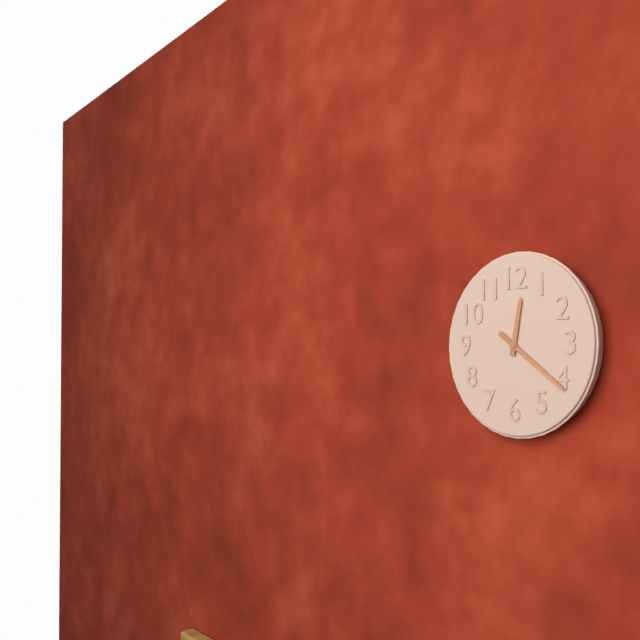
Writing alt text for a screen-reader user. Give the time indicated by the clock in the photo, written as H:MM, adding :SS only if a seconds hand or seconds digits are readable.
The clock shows 12:21
